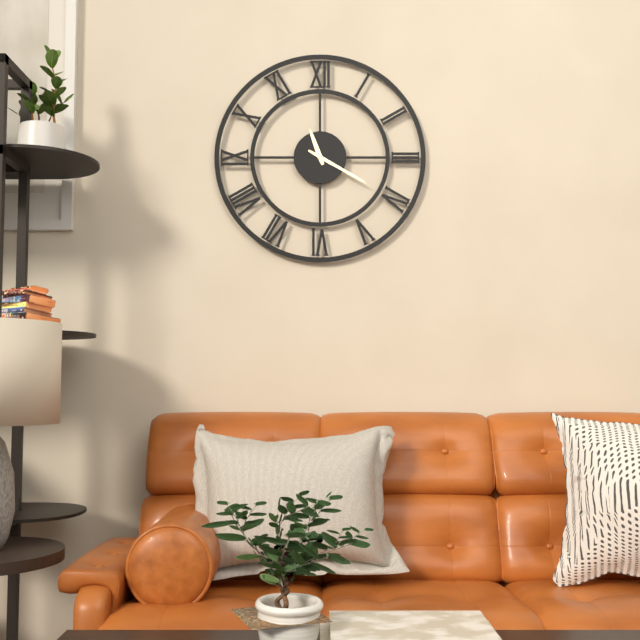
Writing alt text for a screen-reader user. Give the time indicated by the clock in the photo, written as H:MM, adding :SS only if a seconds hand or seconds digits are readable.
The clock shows 11:20
